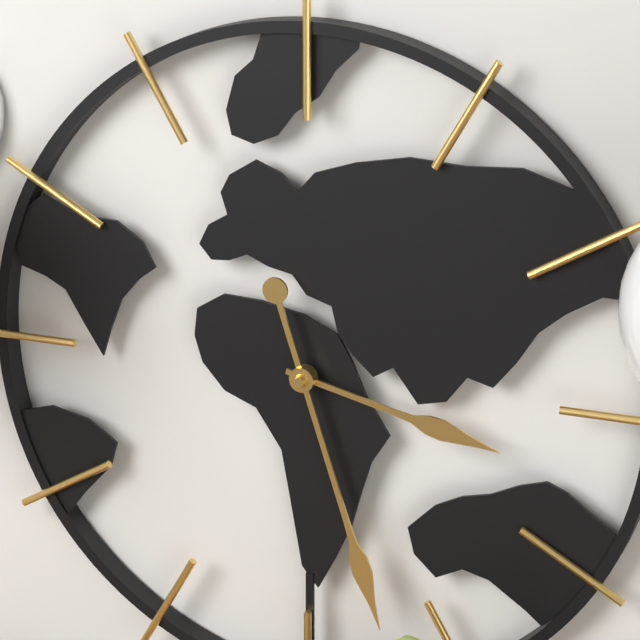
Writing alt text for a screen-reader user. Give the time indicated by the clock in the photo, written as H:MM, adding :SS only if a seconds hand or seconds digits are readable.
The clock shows 3:27
